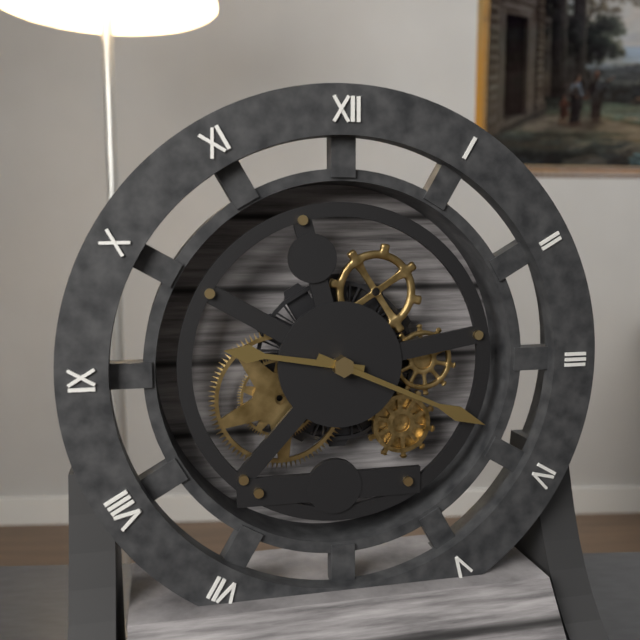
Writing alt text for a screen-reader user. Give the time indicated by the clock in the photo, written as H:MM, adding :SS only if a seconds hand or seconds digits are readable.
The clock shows 9:19
